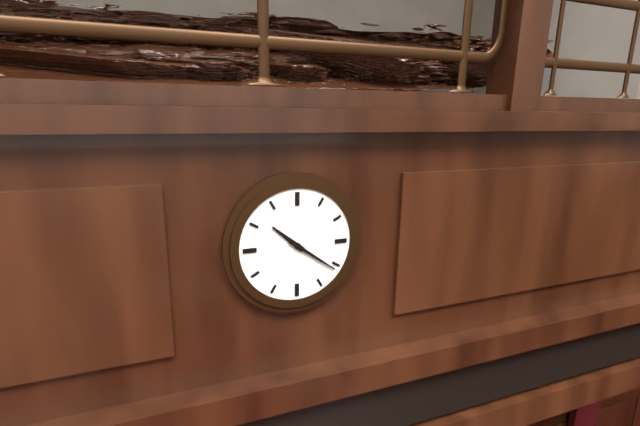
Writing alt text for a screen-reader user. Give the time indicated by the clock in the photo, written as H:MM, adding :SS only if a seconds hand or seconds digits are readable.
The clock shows 10:21
